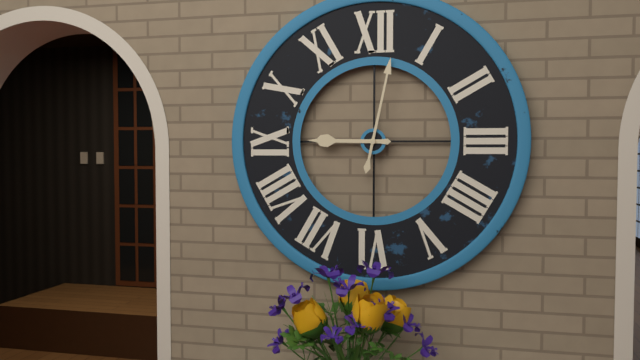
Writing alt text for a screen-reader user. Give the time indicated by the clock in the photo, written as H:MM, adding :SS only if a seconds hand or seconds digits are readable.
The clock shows 9:02
